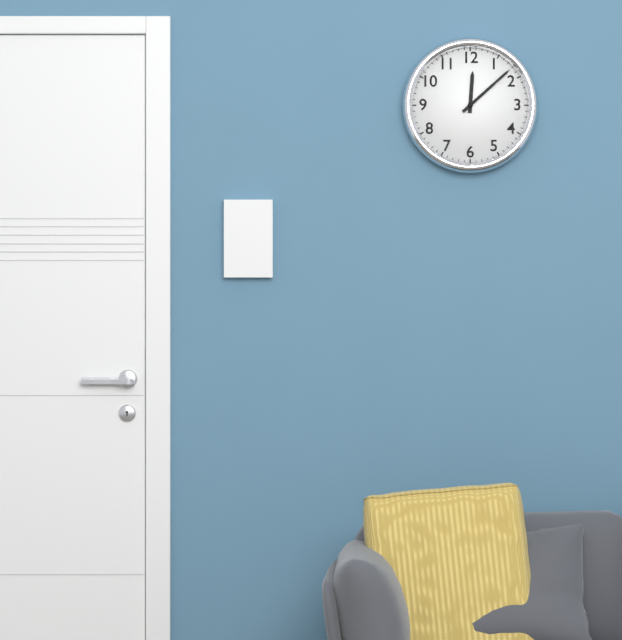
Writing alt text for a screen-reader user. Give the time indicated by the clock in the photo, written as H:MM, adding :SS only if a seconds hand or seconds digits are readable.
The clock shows 12:08
